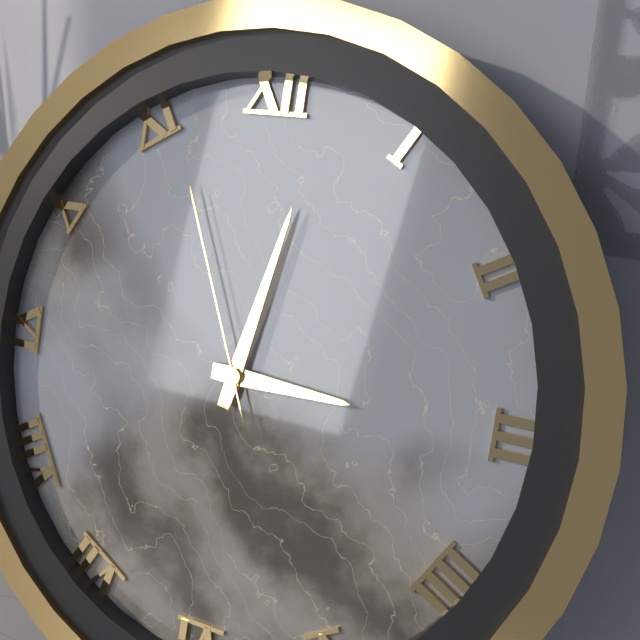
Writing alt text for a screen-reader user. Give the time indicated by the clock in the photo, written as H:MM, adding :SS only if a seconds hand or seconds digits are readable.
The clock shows 3:02:56
